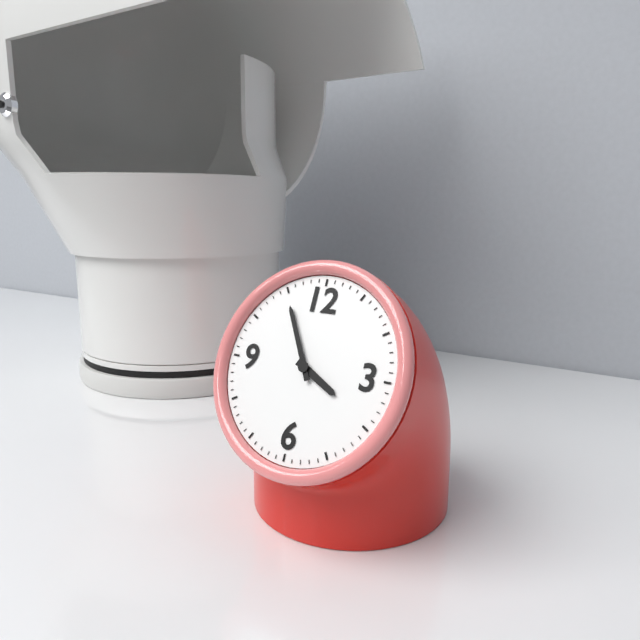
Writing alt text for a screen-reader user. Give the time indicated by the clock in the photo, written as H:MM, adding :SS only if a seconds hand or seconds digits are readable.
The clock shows 3:55
